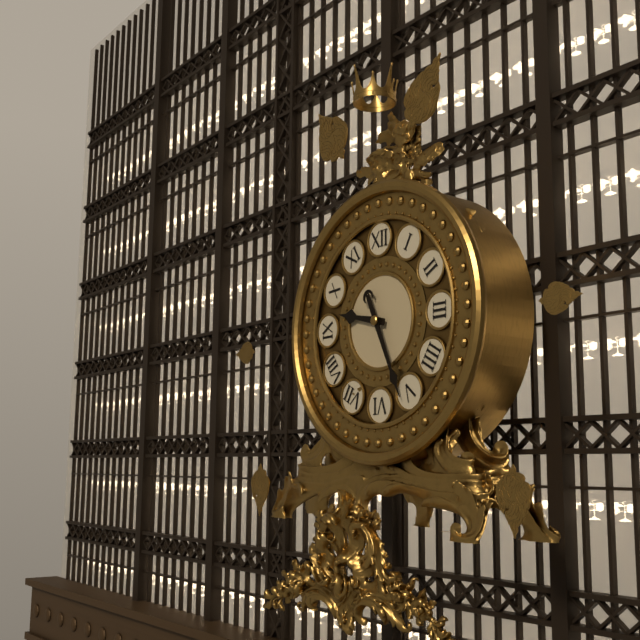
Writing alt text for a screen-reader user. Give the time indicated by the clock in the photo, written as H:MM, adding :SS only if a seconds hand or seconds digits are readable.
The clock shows 9:26
